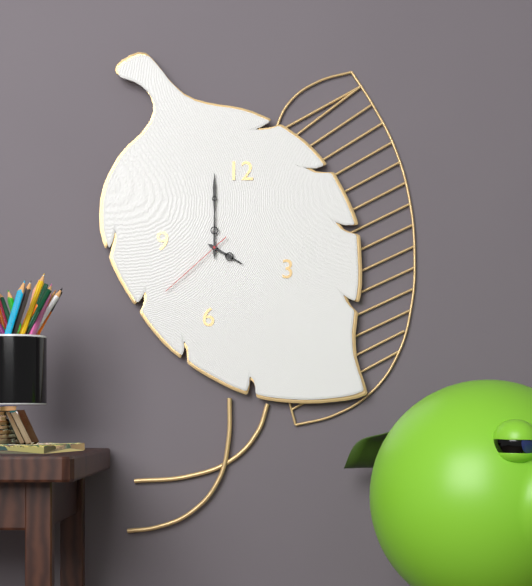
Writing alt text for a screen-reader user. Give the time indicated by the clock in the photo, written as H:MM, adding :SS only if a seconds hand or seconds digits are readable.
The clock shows 4:00:38
